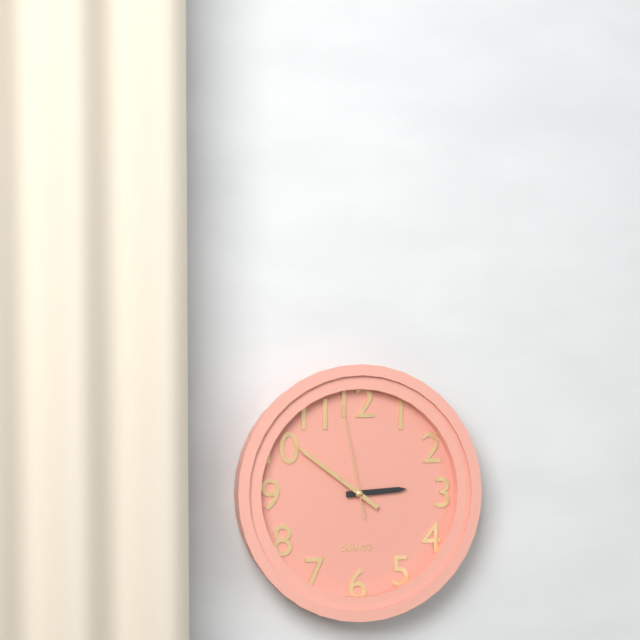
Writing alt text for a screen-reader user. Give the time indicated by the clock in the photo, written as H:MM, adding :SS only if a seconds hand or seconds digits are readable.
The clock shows 2:51:58
